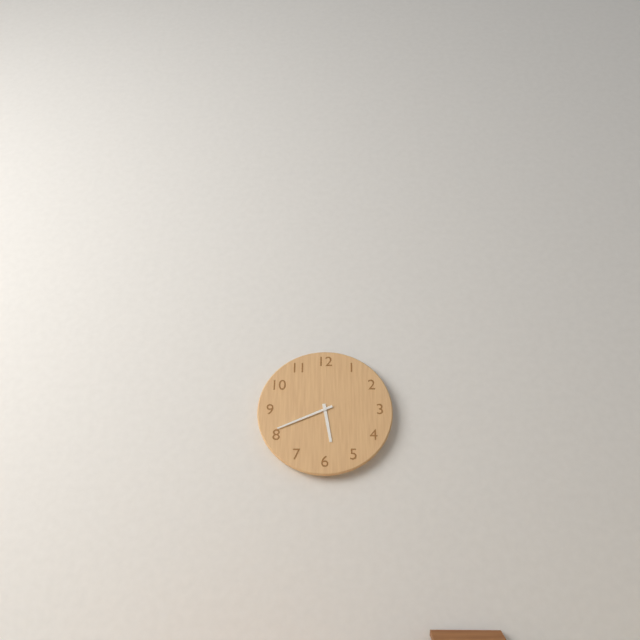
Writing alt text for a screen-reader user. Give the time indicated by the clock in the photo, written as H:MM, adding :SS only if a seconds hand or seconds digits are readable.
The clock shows 5:41
